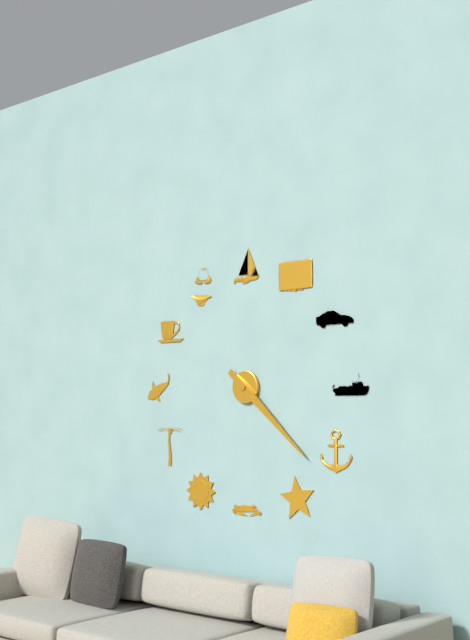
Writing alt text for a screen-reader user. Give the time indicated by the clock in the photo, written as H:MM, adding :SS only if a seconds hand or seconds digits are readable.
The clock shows 4:22
